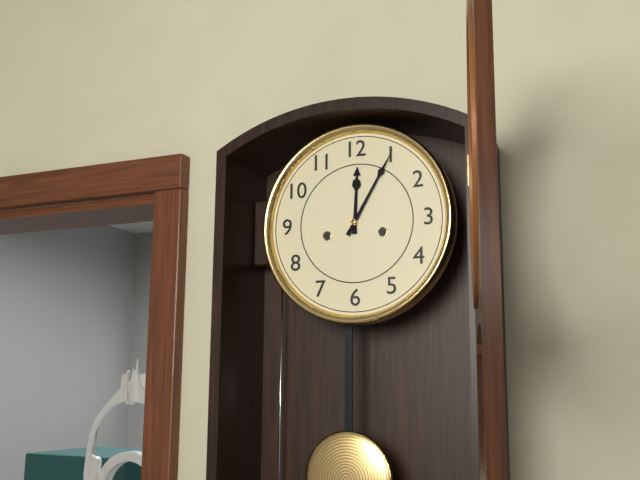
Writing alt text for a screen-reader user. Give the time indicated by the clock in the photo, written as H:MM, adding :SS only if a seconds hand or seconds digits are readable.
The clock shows 12:05
